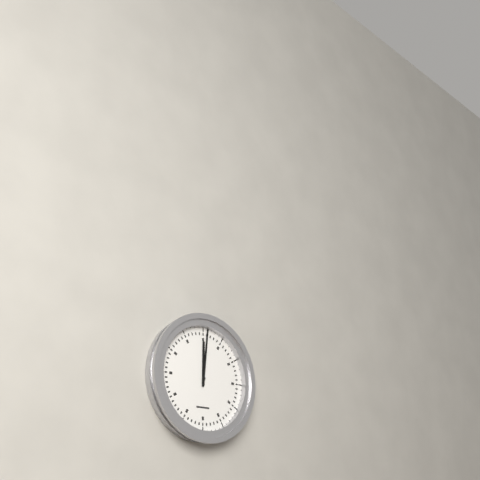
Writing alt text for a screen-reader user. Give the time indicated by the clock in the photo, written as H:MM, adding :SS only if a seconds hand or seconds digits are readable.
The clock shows 12:01
